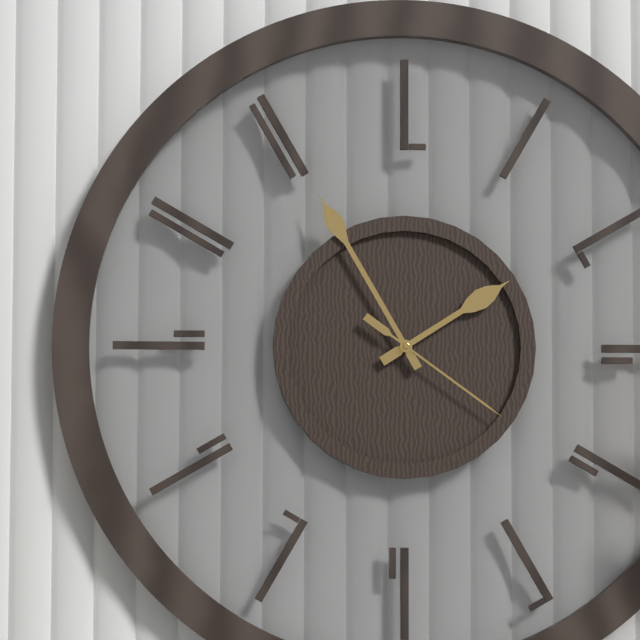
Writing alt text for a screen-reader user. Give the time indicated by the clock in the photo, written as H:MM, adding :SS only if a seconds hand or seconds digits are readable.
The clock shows 1:55:21
